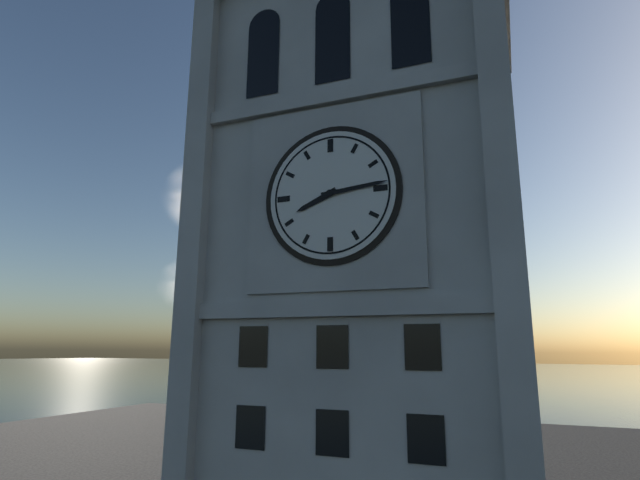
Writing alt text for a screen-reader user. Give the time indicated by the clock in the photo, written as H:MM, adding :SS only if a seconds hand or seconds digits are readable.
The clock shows 8:14
